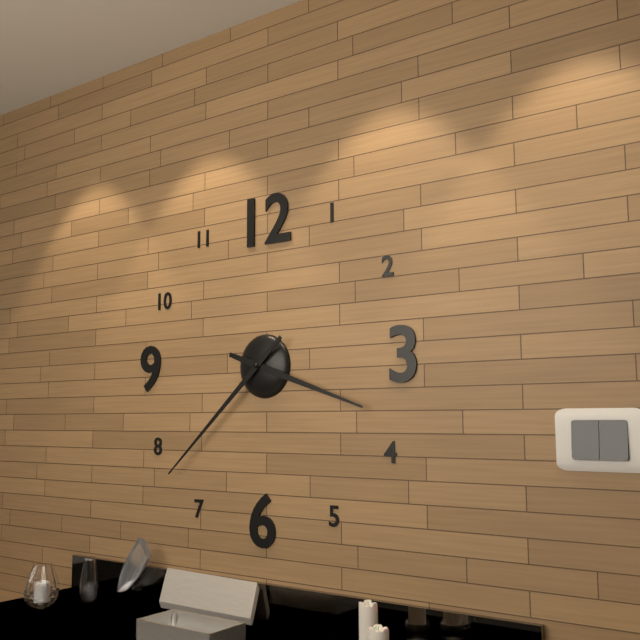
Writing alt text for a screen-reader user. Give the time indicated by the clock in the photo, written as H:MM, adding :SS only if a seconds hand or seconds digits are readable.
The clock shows 3:38
